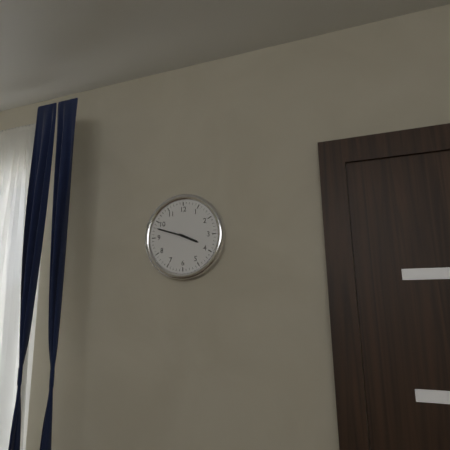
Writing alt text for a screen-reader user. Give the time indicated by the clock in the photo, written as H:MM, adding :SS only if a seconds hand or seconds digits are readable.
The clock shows 3:48
